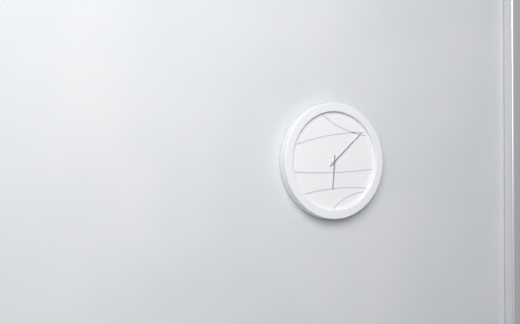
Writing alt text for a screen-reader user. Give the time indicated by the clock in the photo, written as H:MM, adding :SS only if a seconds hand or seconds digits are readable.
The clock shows 6:08
